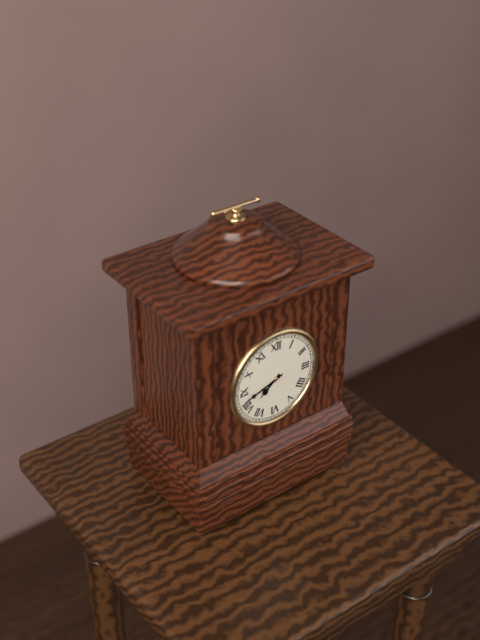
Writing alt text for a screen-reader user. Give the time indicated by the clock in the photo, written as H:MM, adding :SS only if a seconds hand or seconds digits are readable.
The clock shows 7:42
